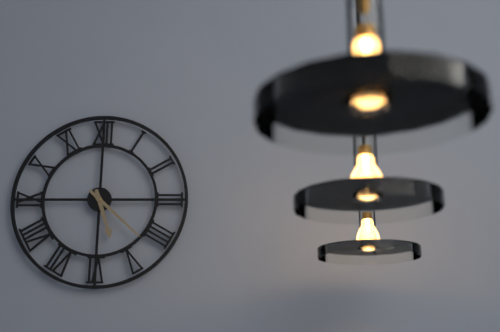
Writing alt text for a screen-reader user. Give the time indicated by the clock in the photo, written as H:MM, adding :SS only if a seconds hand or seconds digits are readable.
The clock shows 5:22
